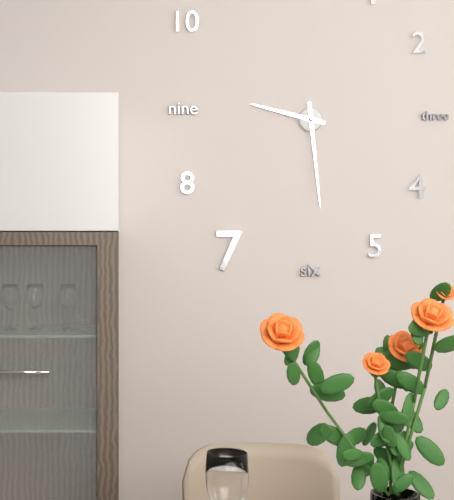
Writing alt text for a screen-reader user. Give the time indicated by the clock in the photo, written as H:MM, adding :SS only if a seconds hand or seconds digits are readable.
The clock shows 9:29
